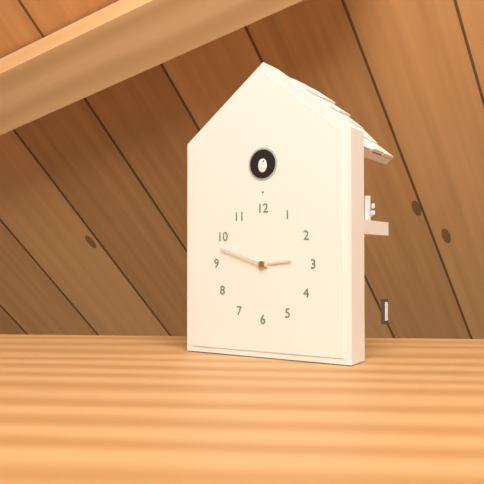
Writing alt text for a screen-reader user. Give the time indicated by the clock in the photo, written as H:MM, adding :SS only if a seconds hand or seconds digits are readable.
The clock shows 2:48
